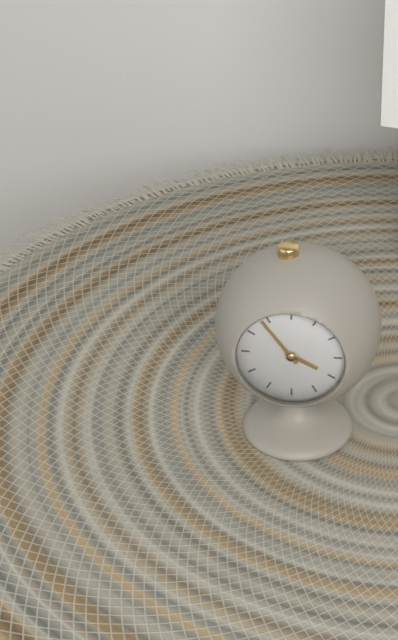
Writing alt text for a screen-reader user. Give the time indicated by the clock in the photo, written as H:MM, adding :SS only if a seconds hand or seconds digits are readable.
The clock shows 3:54
